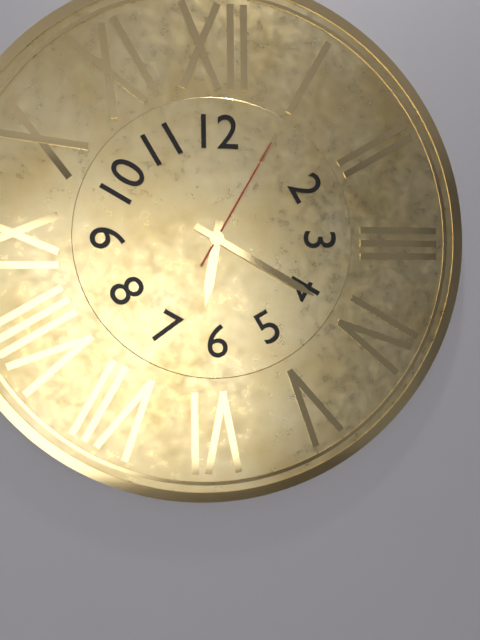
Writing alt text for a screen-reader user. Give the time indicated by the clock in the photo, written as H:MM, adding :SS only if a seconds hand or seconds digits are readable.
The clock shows 6:20:05
